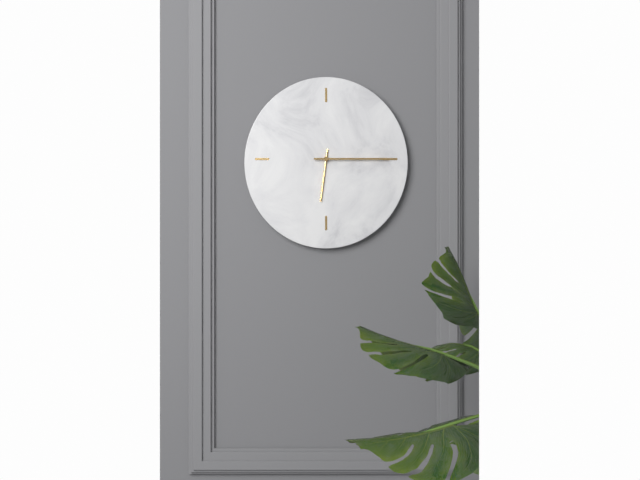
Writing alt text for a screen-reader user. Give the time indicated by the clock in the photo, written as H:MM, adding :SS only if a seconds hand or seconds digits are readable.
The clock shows 6:15
